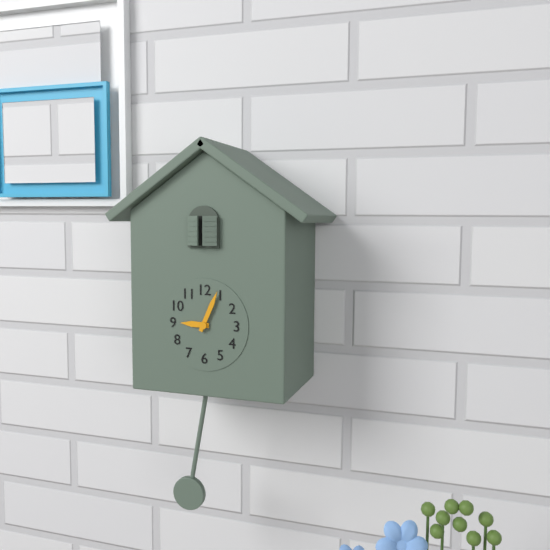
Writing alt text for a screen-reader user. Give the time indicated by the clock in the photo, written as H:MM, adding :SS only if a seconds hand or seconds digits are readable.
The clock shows 9:04
